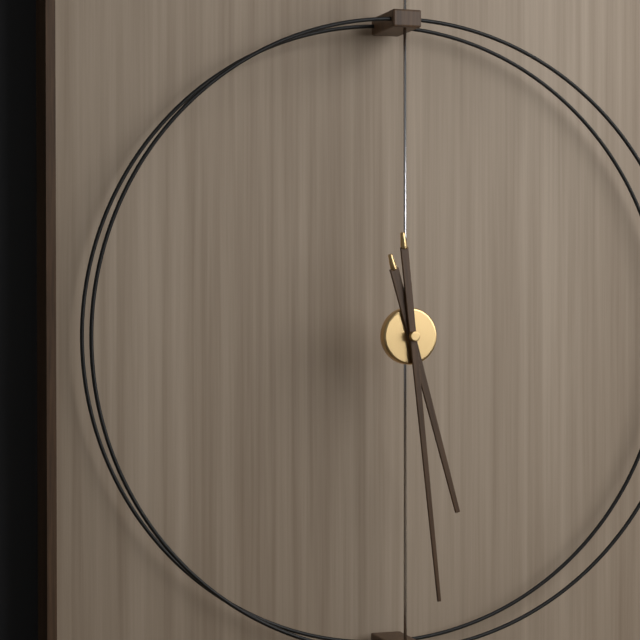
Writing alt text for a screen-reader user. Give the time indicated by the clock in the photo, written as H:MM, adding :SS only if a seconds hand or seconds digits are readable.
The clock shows 5:29
